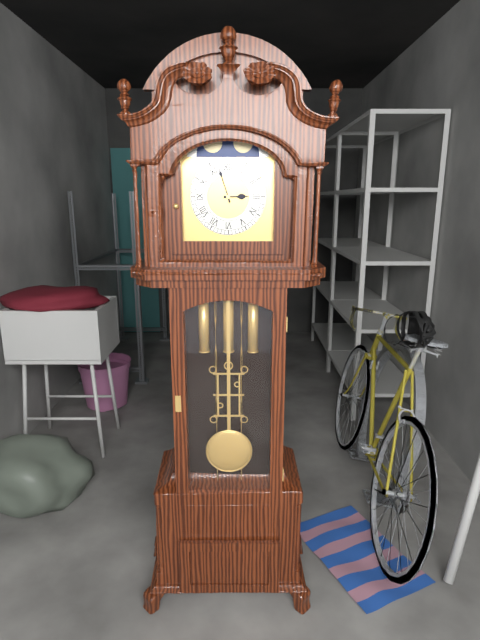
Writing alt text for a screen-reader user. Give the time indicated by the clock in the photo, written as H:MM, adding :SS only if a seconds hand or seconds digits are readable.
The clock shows 2:57
